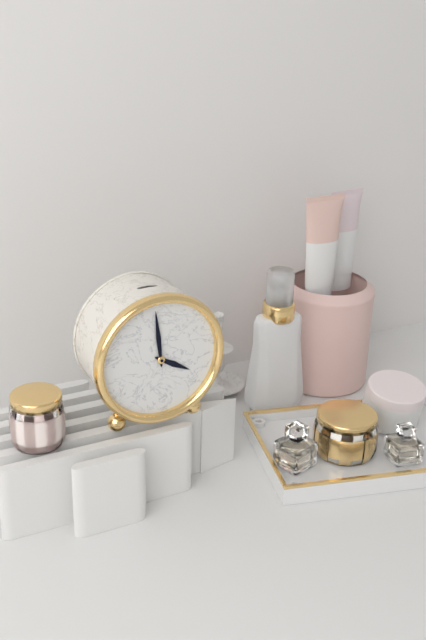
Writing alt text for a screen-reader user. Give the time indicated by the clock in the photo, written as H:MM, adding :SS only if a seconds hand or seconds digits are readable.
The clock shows 3:59
